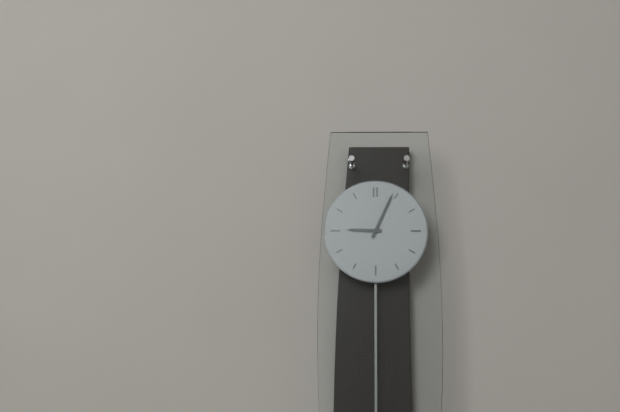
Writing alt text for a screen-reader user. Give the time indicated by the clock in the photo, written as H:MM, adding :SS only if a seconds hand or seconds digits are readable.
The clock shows 9:04
